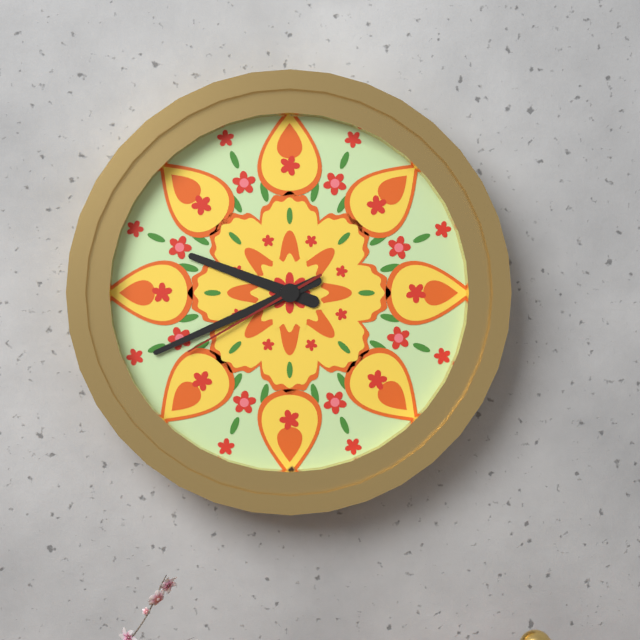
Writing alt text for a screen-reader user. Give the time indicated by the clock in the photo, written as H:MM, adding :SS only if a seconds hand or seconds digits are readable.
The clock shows 9:41:40
